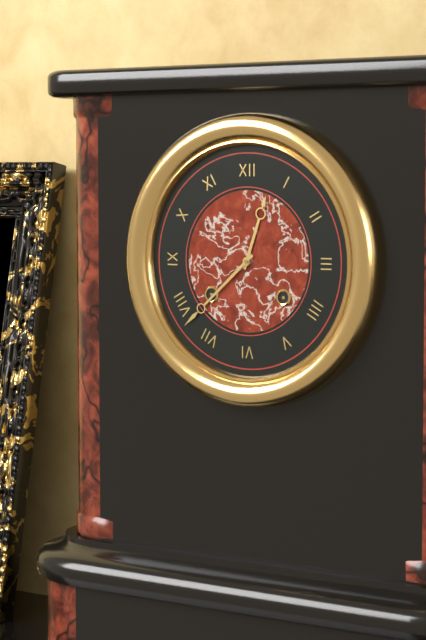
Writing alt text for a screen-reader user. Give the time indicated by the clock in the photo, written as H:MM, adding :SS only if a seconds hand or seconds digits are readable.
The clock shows 12:38
